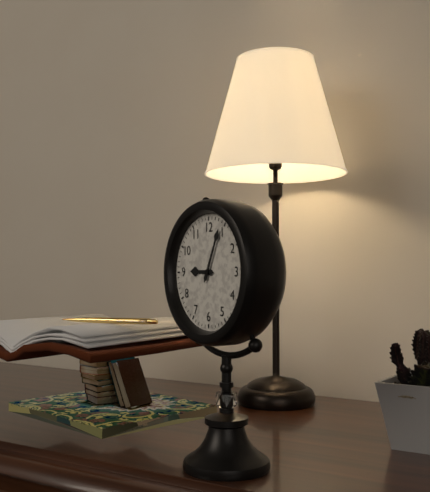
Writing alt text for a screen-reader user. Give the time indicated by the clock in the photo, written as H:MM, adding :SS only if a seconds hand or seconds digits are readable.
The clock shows 9:04
